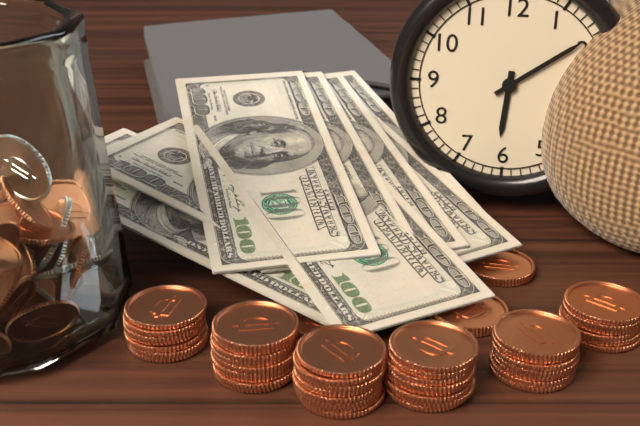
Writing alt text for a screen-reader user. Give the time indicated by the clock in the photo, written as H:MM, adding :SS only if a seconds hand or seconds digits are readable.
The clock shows 6:09
